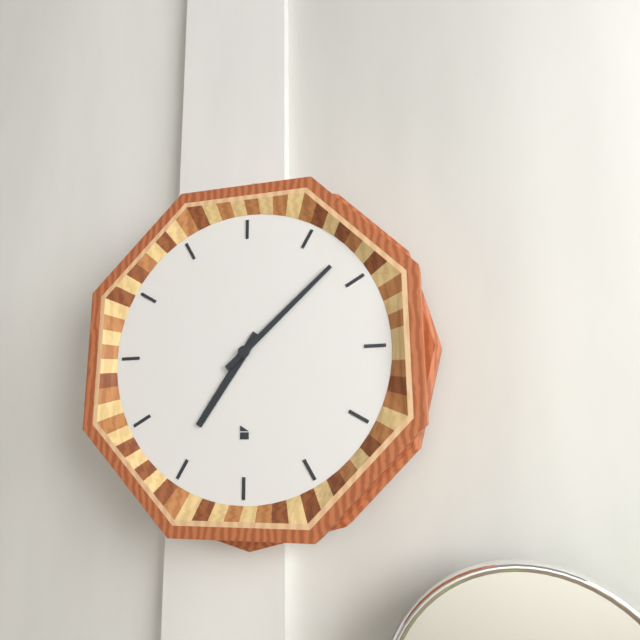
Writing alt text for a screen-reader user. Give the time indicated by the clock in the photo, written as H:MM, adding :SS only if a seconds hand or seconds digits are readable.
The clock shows 7:08
